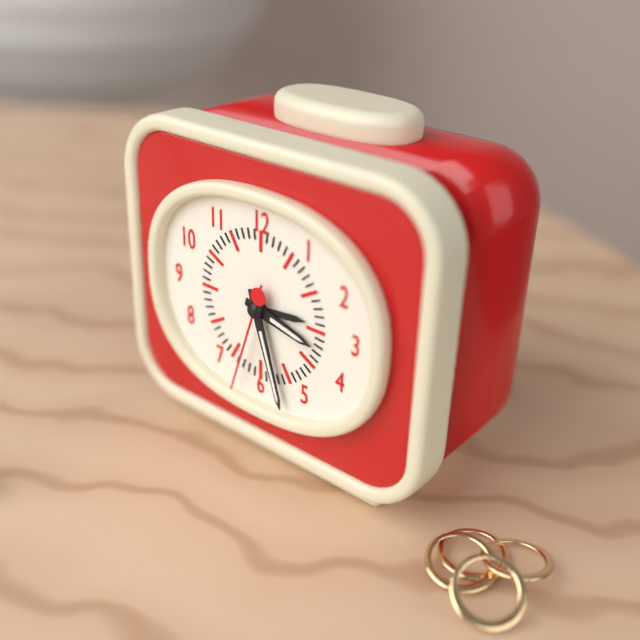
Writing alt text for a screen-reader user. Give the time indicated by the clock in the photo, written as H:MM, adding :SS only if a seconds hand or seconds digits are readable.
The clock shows 3:27:33
